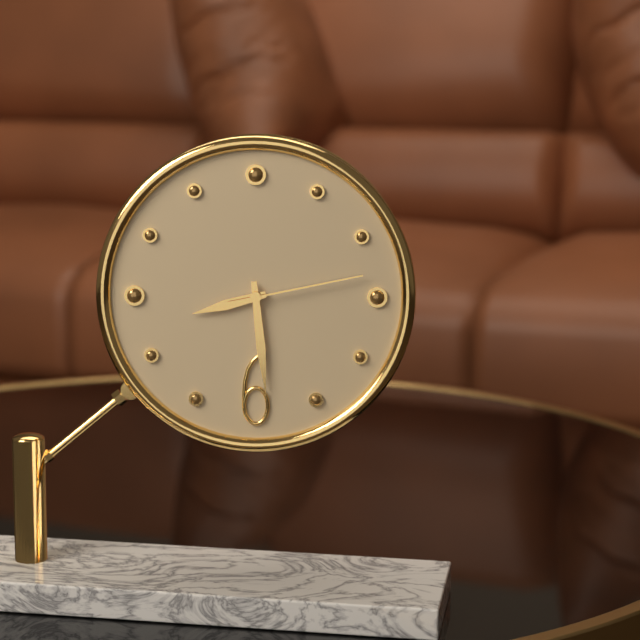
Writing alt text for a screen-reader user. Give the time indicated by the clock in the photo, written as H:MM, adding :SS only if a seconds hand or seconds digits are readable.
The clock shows 8:29:13
